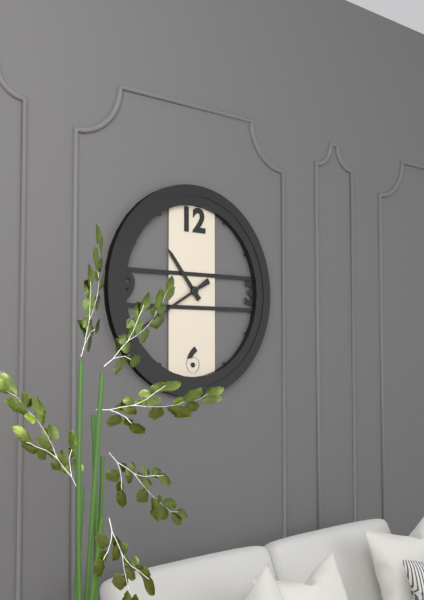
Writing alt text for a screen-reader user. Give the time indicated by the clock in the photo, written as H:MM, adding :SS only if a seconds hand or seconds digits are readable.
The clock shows 10:40
